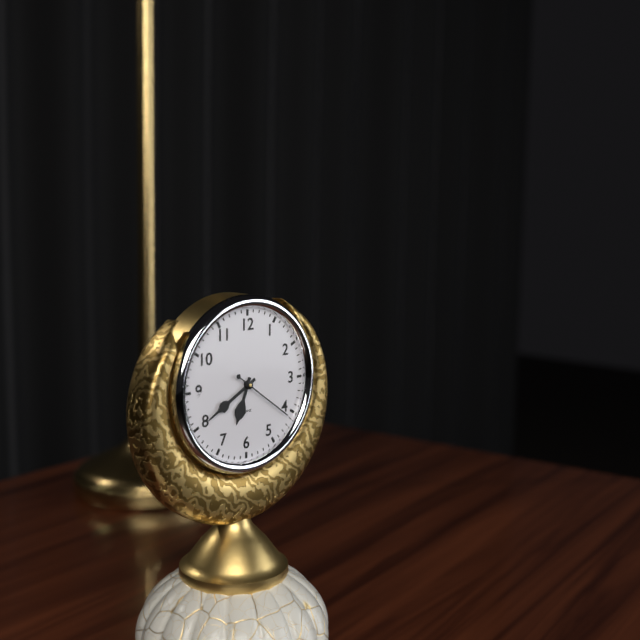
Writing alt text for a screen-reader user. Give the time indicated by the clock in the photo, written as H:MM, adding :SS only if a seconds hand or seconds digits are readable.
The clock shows 6:40:21
